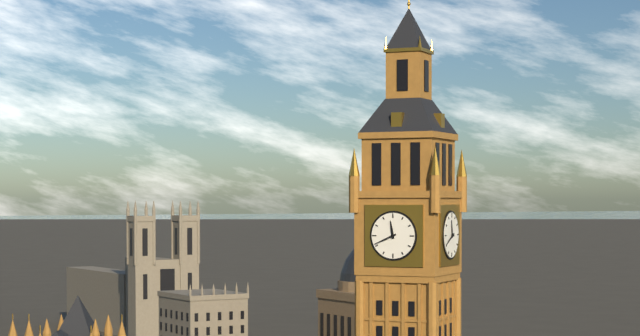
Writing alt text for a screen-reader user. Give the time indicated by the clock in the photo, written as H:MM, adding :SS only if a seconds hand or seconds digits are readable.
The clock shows 11:41
